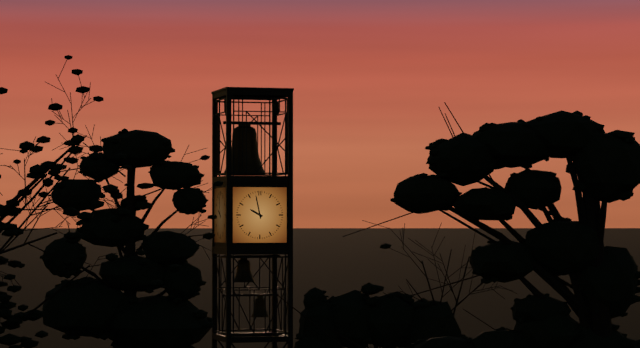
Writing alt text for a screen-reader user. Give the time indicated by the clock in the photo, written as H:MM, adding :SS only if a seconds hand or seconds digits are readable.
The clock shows 9:58
